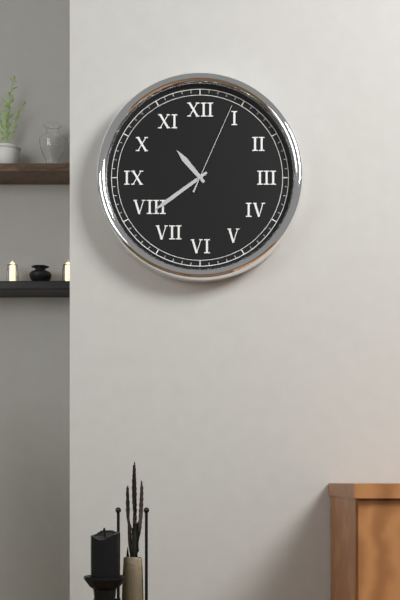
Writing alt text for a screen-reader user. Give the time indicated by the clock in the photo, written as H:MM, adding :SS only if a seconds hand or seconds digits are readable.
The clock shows 10:39:04
